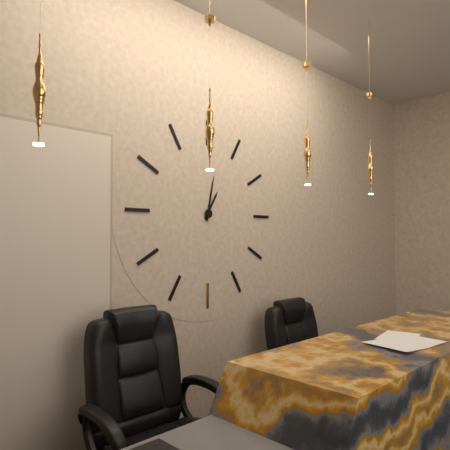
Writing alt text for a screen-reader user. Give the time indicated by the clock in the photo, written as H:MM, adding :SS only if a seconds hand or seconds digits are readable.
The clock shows 1:02
